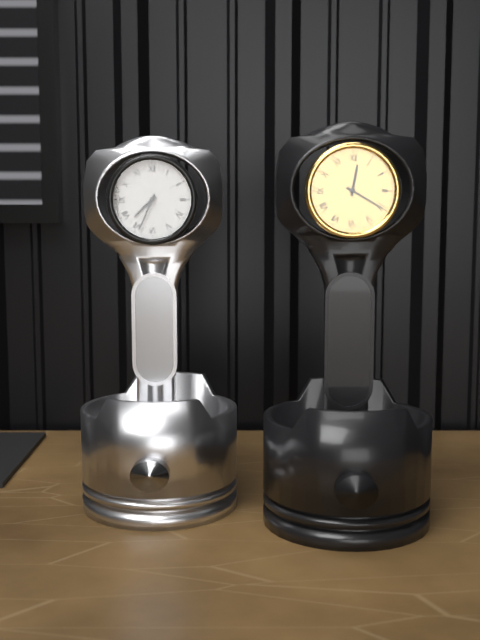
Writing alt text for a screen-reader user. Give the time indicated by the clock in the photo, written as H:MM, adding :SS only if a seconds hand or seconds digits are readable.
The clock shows 7:34
